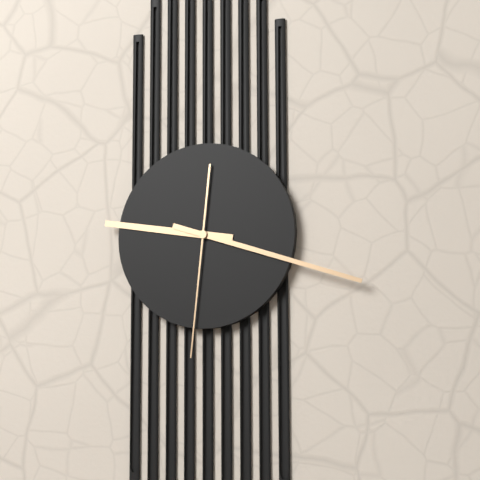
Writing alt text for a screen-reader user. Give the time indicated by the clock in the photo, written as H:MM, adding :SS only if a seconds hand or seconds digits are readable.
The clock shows 9:18:31
